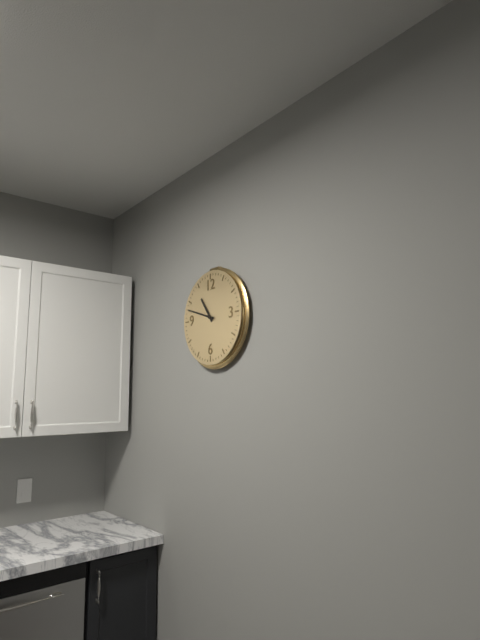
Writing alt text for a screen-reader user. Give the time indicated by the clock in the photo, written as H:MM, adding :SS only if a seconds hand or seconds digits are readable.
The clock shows 10:48
